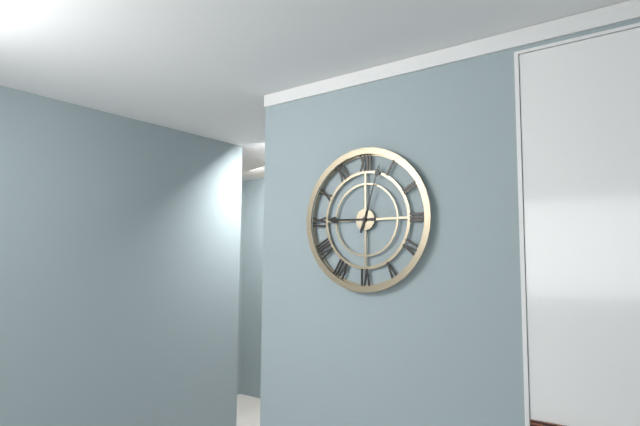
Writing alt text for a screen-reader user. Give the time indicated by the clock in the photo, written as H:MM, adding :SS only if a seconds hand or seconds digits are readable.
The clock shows 9:03
